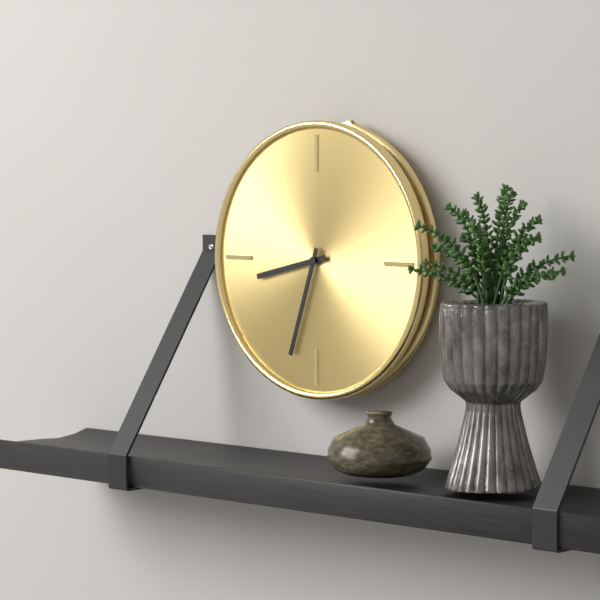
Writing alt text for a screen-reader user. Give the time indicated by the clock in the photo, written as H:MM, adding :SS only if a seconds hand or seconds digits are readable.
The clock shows 8:33
